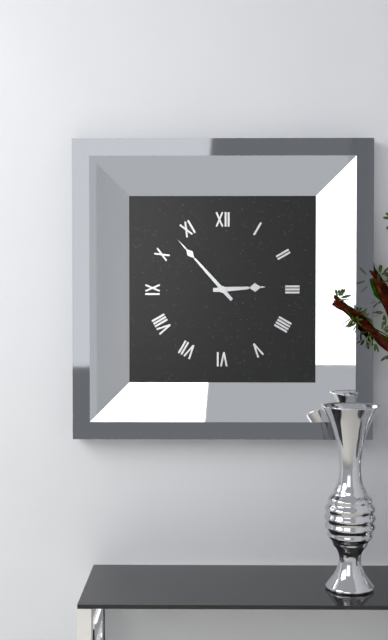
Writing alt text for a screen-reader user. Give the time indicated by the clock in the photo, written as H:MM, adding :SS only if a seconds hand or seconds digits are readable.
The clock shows 2:53
